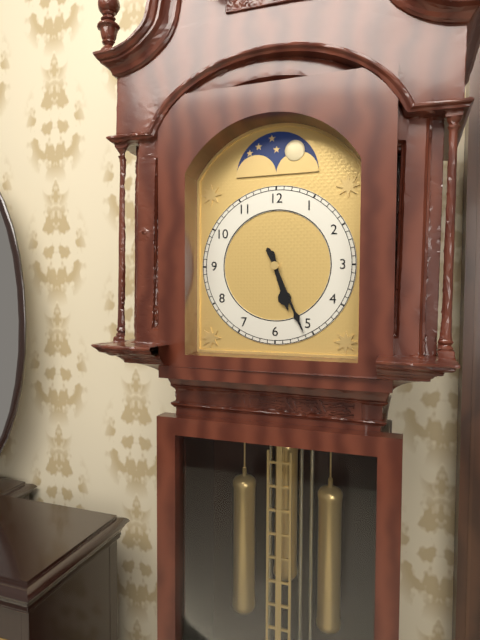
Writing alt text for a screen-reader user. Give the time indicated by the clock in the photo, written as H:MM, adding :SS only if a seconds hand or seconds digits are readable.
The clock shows 5:26
